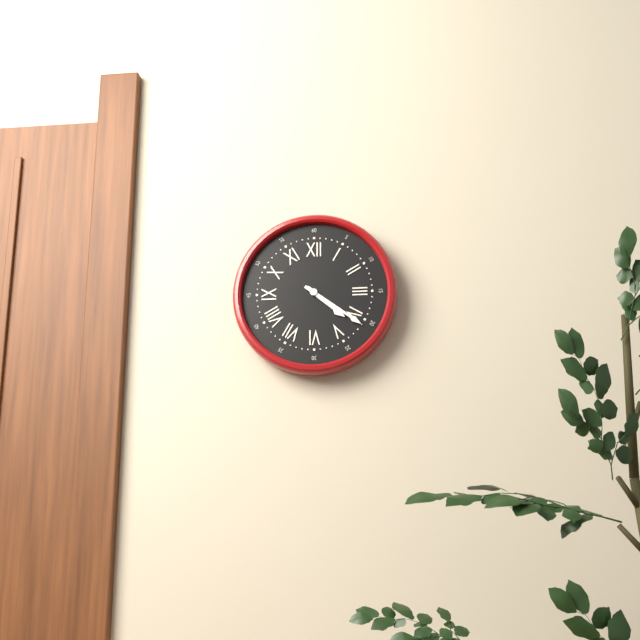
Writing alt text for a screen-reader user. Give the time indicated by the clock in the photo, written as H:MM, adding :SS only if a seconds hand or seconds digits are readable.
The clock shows 4:21
